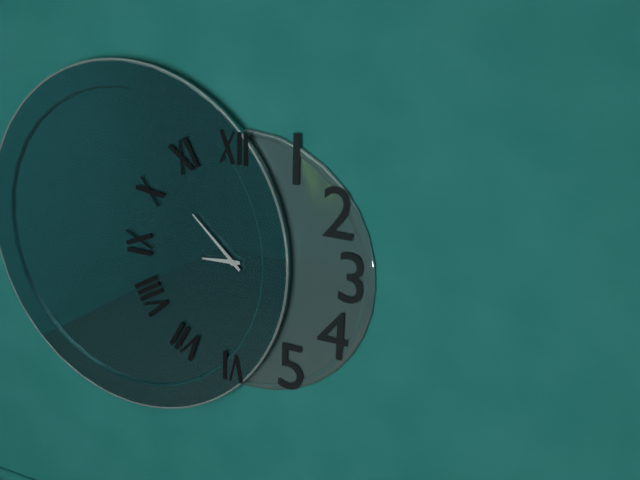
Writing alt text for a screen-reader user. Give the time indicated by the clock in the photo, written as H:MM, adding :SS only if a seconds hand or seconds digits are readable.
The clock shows 8:52
